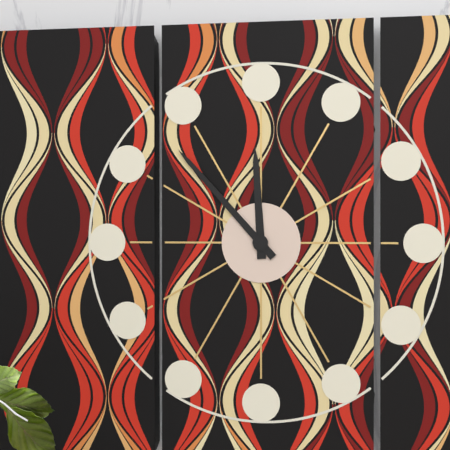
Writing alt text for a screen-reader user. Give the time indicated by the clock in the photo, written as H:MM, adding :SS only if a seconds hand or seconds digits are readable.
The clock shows 11:53
